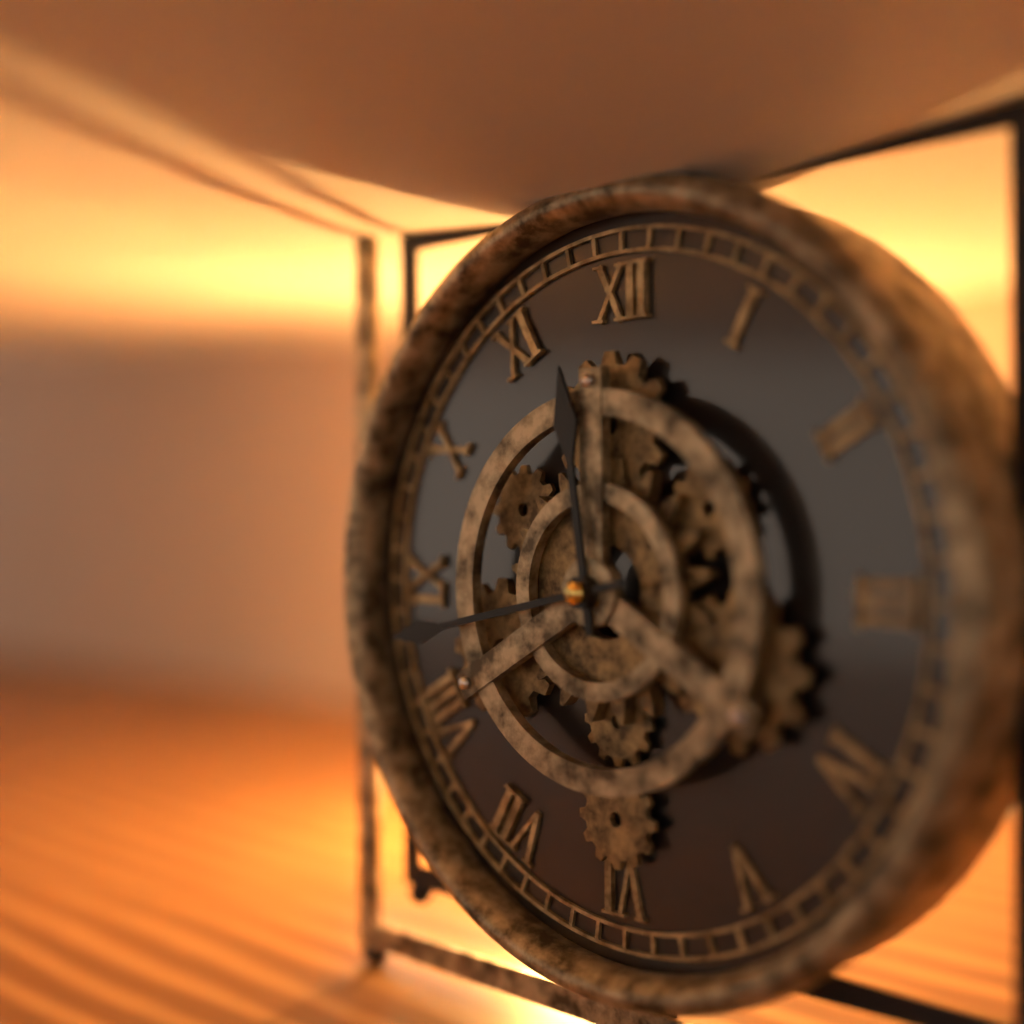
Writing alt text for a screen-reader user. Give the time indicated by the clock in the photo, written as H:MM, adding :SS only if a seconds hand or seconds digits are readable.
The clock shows 11:43
